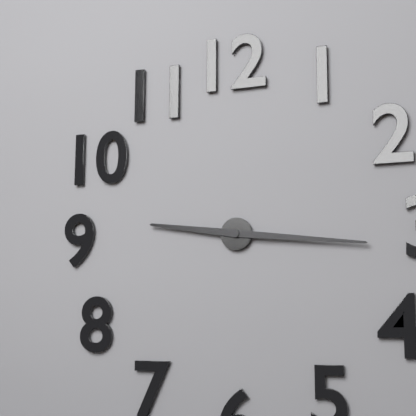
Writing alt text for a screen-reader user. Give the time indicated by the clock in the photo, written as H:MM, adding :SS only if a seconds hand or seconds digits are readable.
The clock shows 9:16
